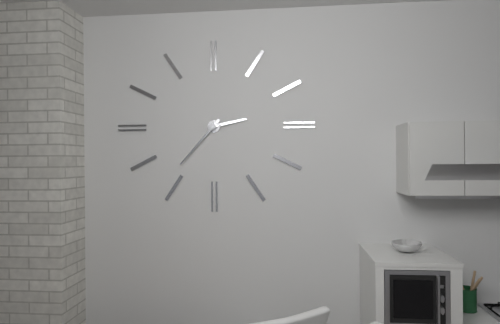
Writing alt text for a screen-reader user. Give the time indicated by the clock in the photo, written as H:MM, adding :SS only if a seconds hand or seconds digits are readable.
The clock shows 2:37
